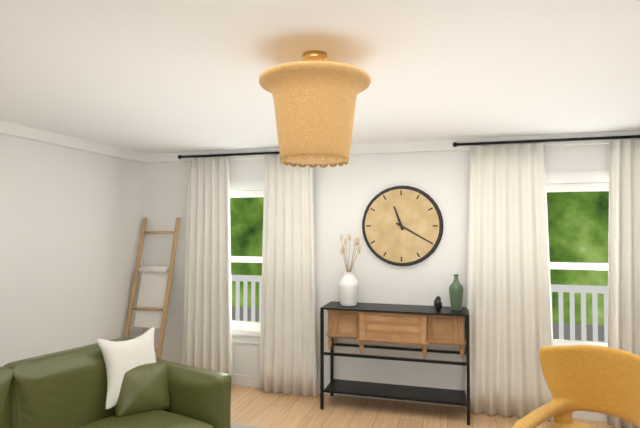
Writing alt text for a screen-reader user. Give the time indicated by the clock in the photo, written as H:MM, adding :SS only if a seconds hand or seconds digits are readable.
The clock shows 11:20
